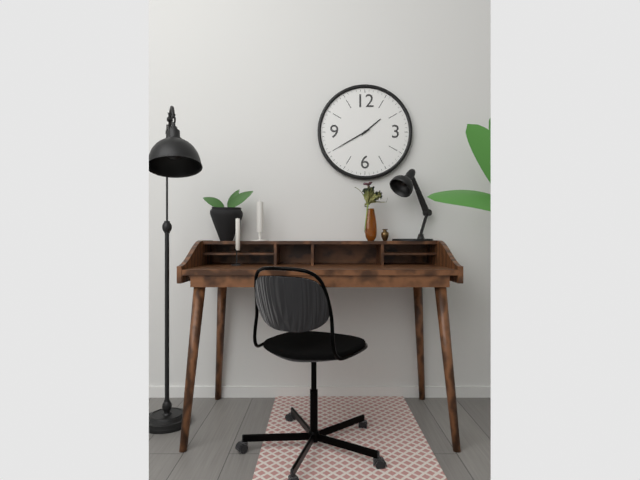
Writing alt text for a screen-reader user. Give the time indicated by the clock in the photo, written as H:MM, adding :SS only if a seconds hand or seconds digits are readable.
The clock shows 1:40
